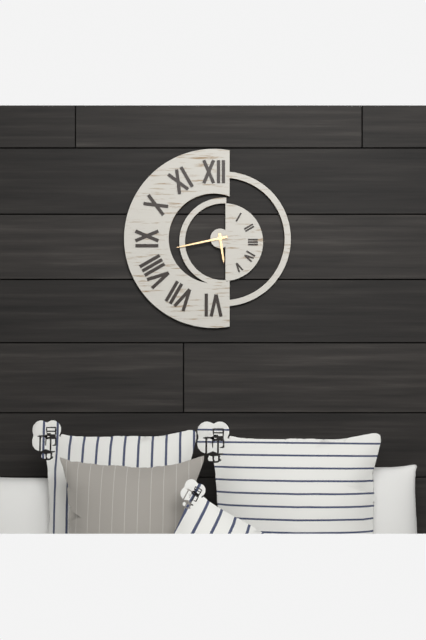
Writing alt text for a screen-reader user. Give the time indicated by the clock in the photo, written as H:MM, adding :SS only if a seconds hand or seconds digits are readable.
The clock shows 5:43
